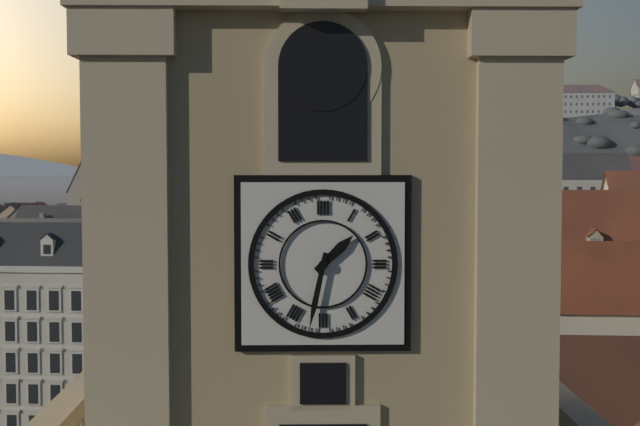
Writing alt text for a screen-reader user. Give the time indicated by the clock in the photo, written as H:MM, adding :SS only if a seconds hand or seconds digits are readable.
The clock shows 1:32
